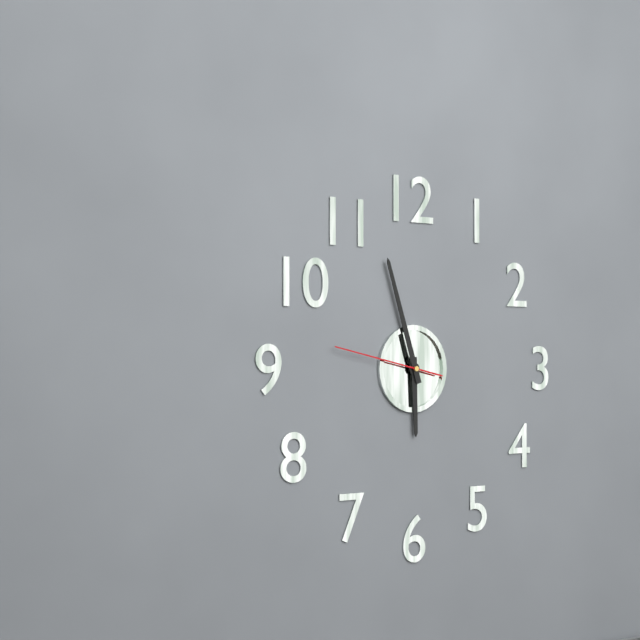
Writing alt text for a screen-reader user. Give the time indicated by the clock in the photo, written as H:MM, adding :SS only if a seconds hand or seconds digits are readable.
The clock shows 5:57:47
